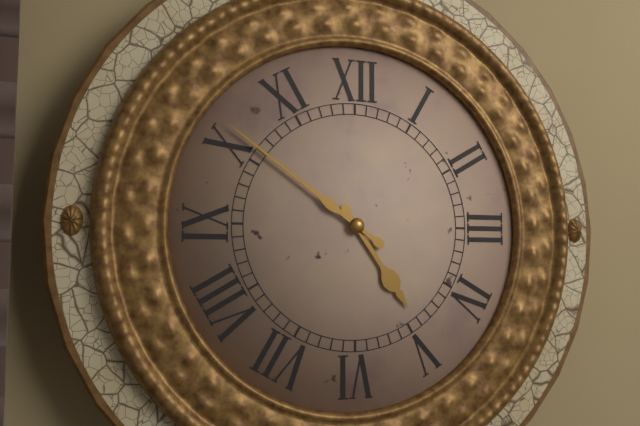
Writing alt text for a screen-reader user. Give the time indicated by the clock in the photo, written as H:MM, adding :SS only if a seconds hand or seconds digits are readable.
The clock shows 4:51
